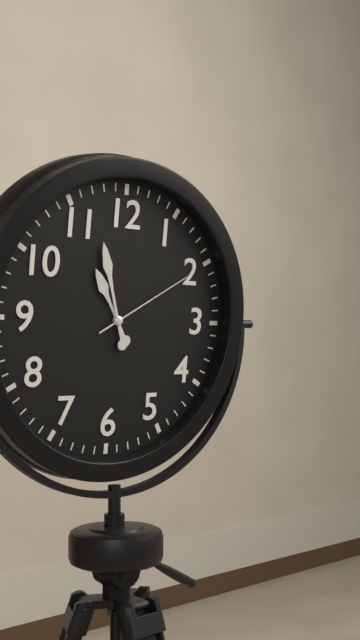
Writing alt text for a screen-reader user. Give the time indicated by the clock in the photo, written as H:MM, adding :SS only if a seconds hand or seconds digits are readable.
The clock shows 10:57:10
